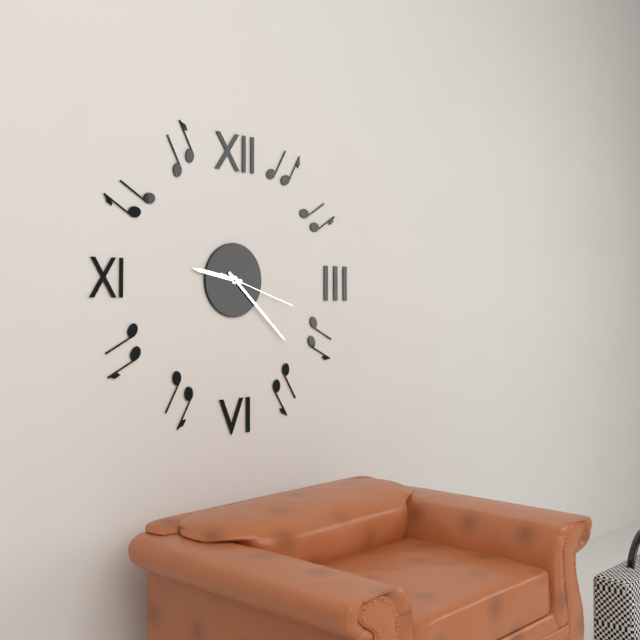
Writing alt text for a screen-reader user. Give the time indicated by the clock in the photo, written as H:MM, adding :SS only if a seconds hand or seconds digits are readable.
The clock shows 9:22:18
